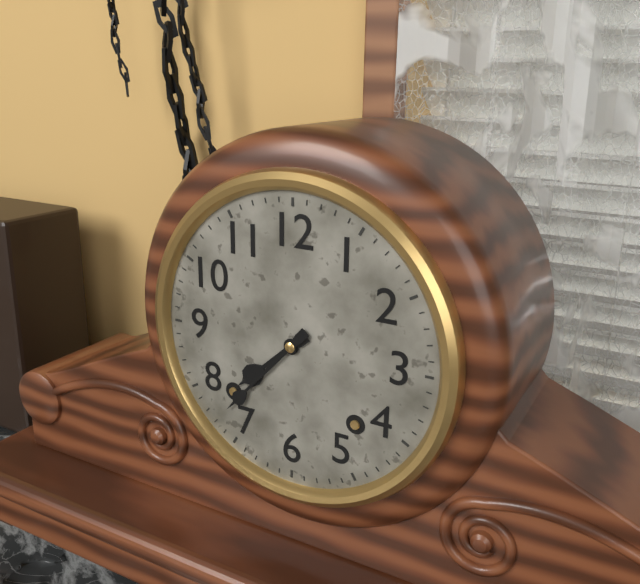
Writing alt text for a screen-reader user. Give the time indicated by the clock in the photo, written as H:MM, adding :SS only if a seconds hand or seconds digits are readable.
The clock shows 7:37
